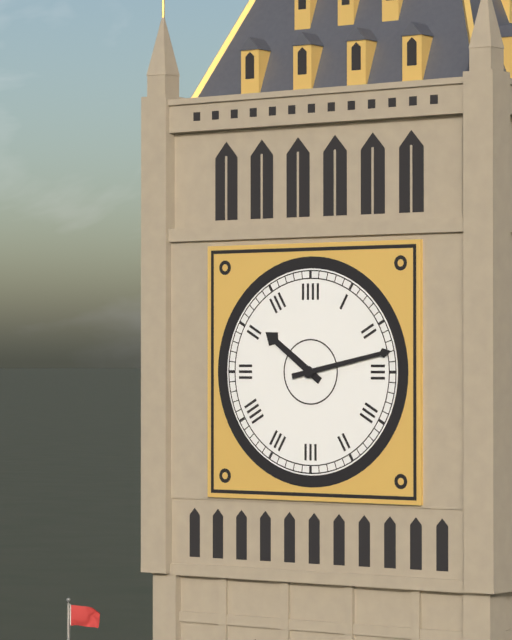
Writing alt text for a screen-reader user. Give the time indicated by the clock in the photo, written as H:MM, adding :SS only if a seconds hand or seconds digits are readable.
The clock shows 10:13
